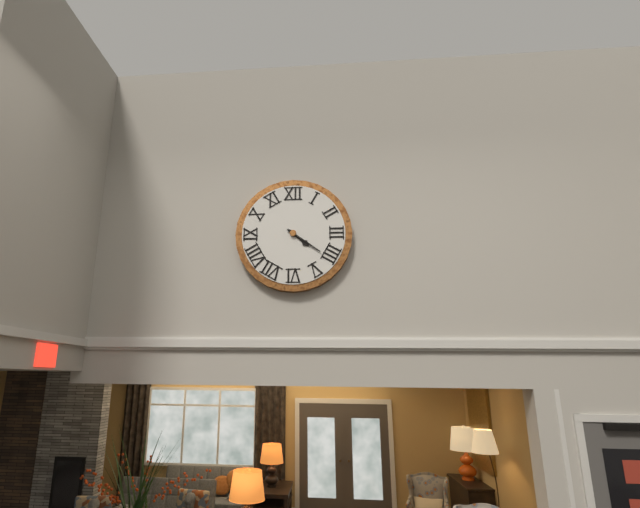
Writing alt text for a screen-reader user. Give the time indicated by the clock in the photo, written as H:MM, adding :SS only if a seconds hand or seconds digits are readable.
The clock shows 4:21
